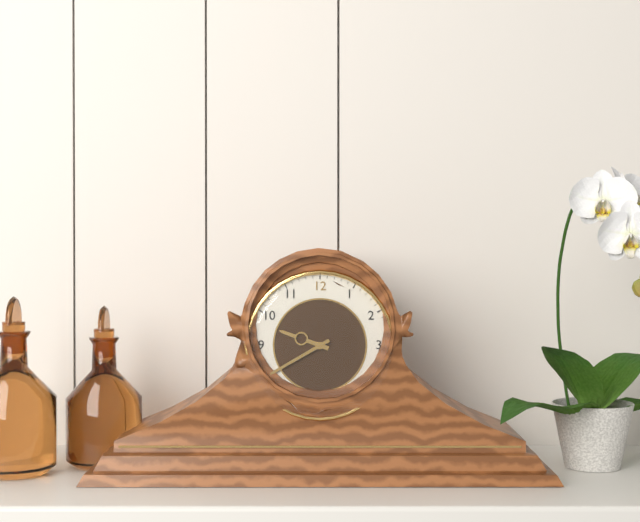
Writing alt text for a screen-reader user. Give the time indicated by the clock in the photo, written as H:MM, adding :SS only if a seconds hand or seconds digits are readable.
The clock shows 9:40
